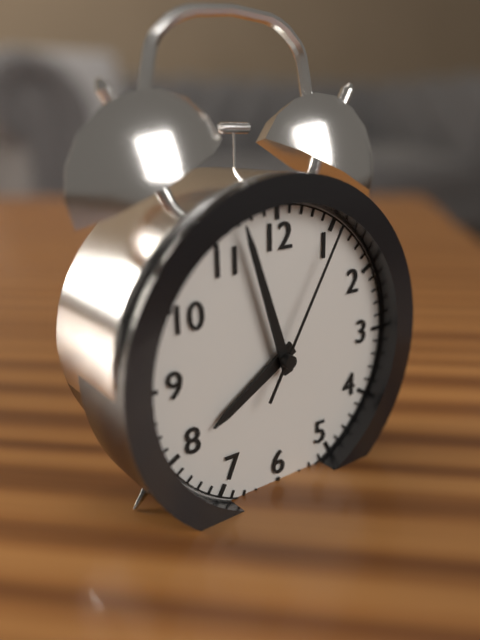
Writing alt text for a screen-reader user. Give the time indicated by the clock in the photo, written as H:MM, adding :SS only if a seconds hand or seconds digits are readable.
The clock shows 7:57:05
